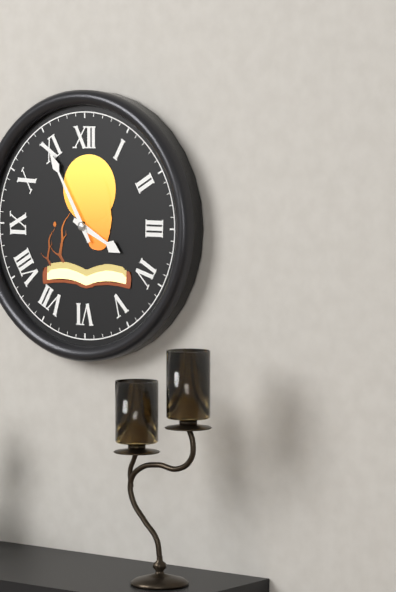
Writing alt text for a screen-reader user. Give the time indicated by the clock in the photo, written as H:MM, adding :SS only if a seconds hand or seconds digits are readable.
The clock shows 3:55
